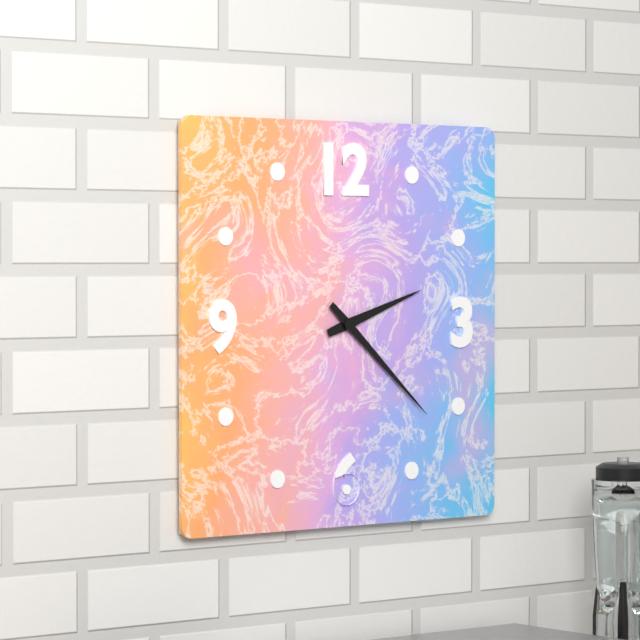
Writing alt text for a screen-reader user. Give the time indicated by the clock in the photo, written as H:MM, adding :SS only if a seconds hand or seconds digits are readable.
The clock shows 2:22
